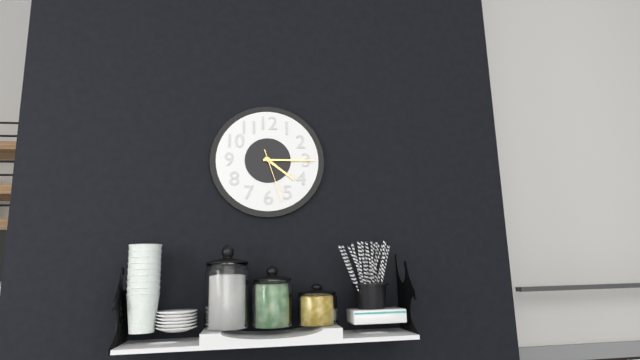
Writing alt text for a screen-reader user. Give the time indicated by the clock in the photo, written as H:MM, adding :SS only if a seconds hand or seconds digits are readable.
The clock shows 4:15:27
